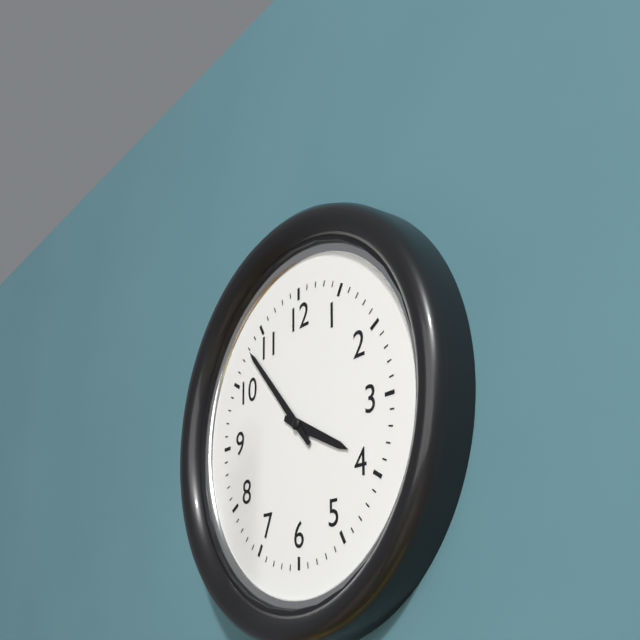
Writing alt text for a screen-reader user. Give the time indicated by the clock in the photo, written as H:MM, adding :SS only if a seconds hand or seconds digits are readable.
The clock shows 3:53
